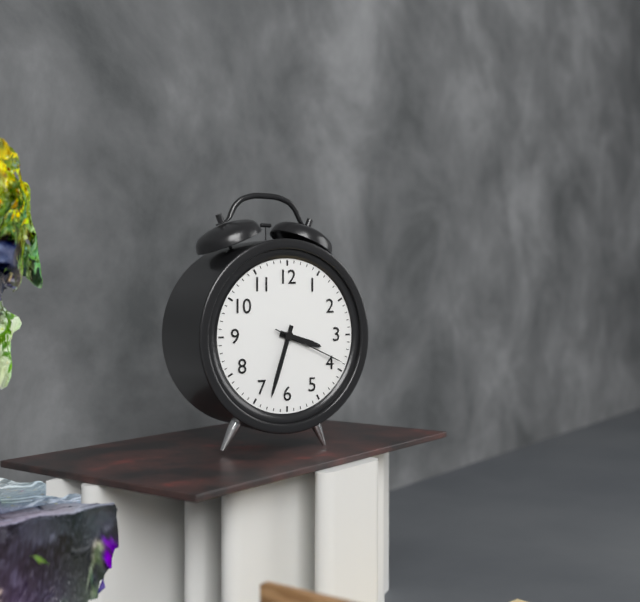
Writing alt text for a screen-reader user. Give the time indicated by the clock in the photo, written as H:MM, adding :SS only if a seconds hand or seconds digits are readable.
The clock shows 3:33:19
